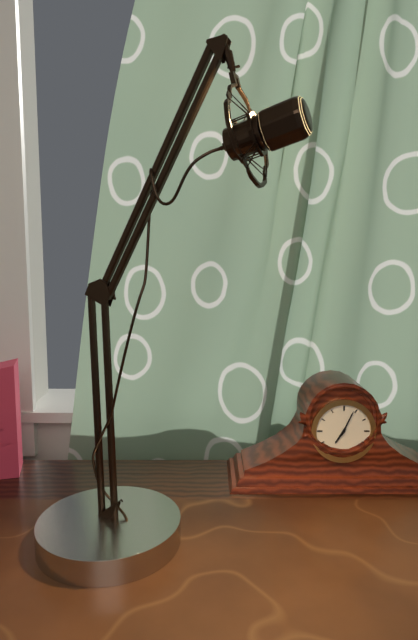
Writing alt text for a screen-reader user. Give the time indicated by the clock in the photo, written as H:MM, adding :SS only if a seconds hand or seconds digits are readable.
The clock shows 7:04
